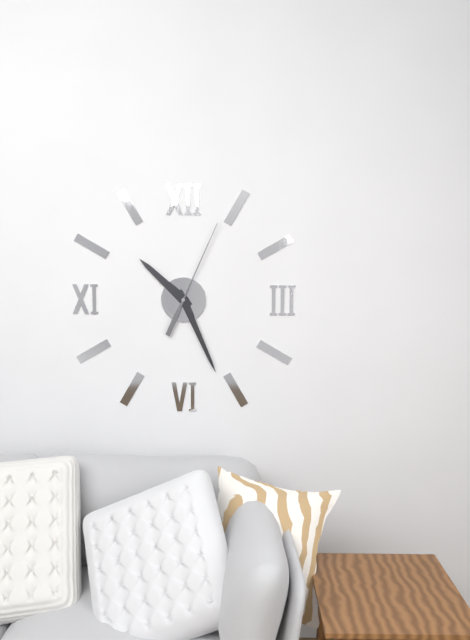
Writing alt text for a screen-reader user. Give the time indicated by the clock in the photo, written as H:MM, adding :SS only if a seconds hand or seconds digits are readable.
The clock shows 10:26:04
